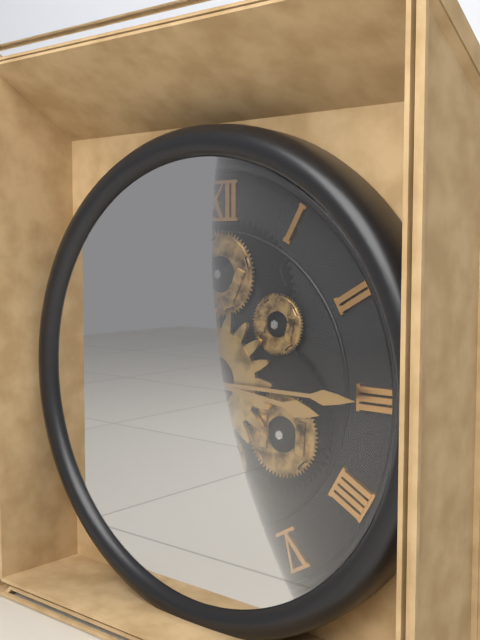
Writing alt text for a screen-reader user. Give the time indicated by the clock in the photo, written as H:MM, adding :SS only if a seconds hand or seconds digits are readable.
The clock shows 3:15
